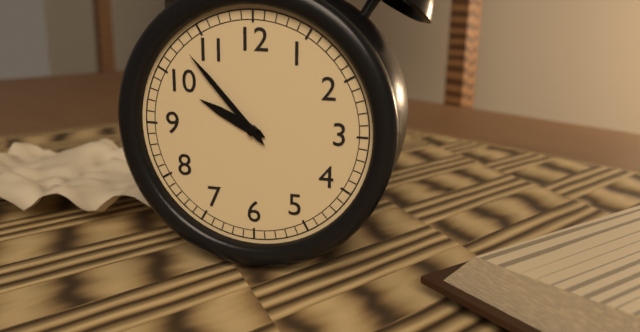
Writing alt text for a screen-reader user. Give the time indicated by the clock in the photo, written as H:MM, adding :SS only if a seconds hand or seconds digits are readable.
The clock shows 9:53
